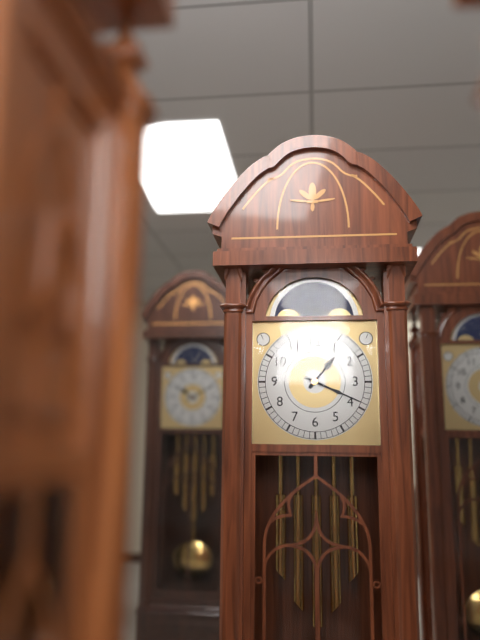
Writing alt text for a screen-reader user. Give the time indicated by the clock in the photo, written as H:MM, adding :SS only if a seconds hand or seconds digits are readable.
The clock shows 1:19
